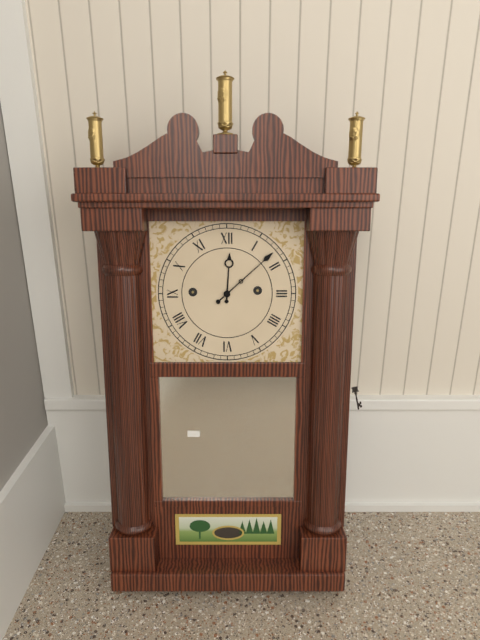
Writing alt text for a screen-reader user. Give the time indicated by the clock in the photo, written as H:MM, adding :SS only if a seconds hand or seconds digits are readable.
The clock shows 12:08
